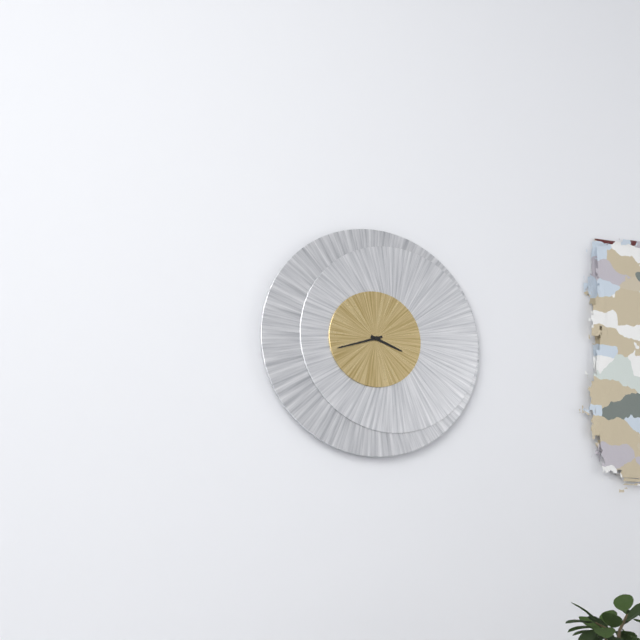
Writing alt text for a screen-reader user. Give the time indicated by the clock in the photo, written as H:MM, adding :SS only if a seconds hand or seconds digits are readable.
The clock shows 3:42
